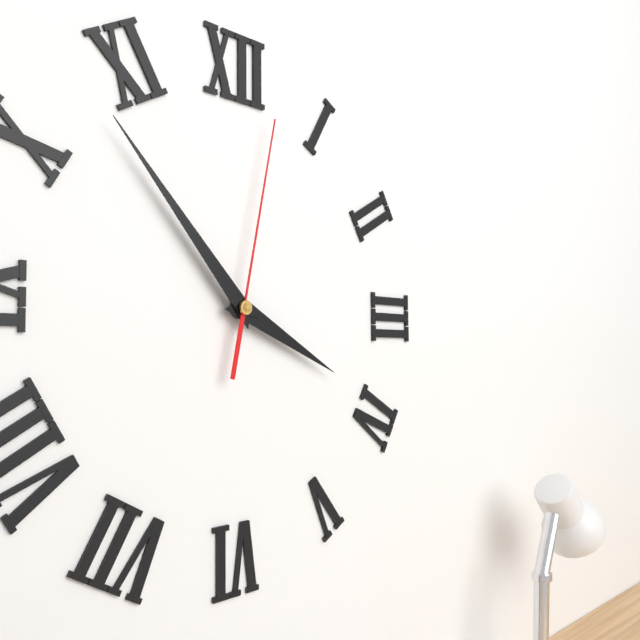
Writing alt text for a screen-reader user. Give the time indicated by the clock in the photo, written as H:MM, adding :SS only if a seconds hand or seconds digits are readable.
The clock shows 3:53:02
